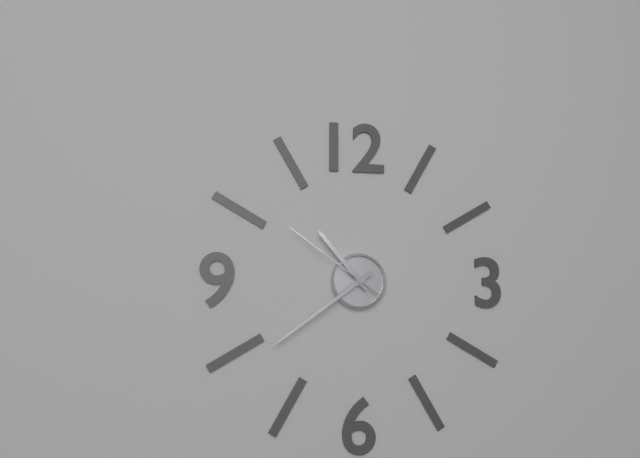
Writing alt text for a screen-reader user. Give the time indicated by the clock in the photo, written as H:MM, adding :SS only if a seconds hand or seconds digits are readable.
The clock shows 10:39:51
